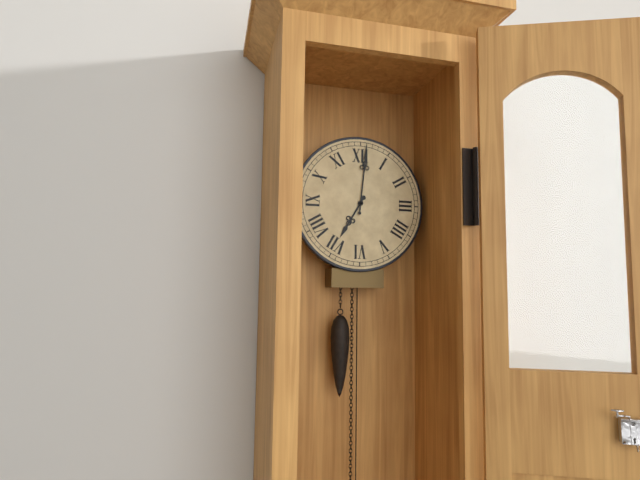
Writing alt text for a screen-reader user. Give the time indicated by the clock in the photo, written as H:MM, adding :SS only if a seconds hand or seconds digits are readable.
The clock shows 7:01
